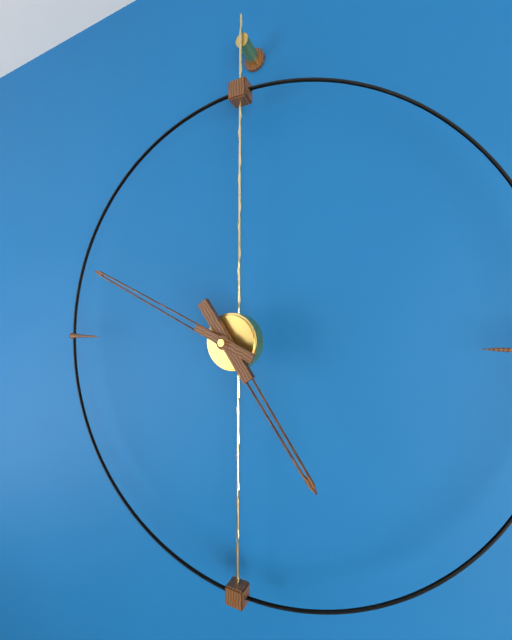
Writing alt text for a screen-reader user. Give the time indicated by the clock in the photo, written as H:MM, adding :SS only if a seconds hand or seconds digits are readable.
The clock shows 4:49
